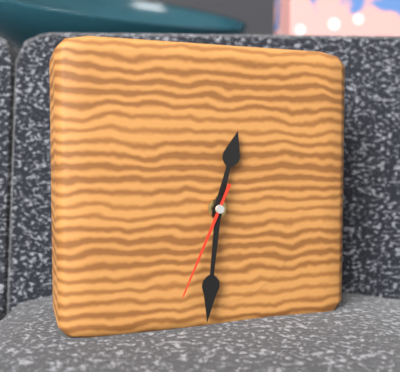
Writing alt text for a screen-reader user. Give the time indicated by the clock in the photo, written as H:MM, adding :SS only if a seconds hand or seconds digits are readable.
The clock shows 12:31:34
